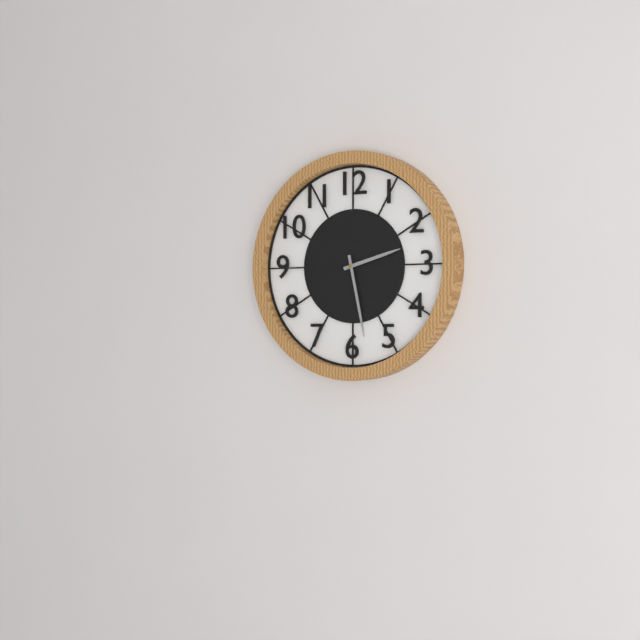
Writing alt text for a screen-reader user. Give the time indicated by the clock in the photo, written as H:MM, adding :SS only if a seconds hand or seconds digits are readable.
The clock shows 2:28
